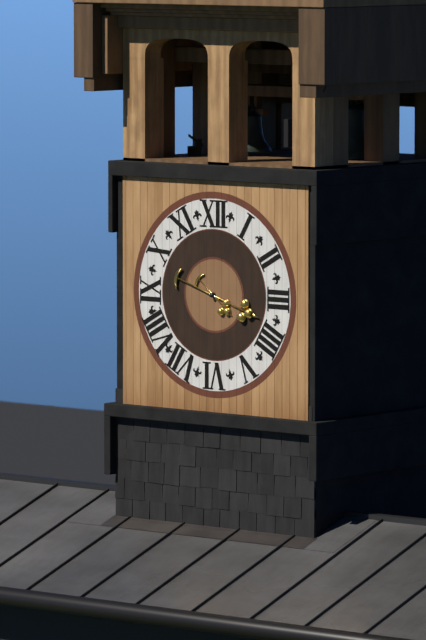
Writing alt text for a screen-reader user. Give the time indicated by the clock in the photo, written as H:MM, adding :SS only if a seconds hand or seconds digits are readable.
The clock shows 4:18
